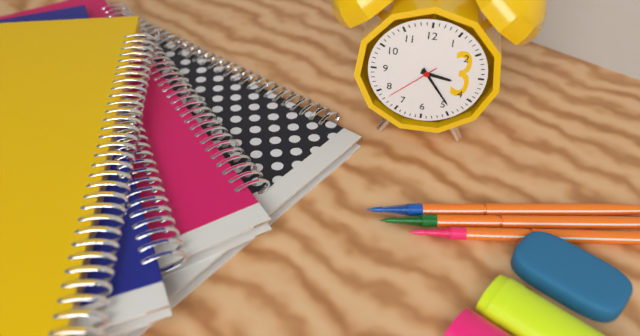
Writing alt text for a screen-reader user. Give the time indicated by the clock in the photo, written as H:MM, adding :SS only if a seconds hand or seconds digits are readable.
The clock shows 3:24:38
